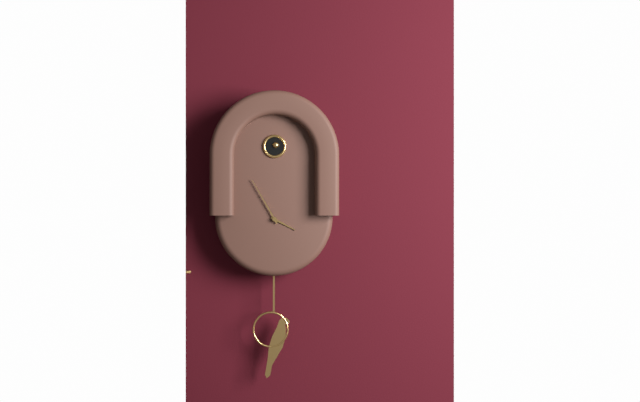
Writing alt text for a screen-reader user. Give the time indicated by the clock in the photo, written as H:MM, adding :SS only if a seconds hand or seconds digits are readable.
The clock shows 3:55
